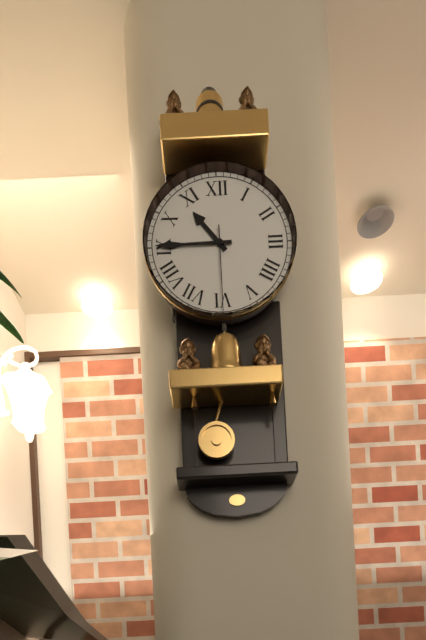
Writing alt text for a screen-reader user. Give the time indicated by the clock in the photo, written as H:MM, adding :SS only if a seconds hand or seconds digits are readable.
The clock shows 10:45:30
